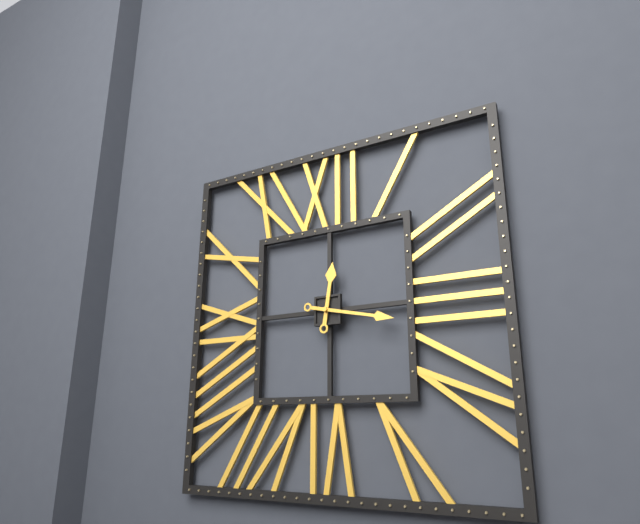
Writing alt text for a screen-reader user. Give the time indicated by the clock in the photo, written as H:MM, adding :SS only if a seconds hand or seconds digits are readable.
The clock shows 12:17
